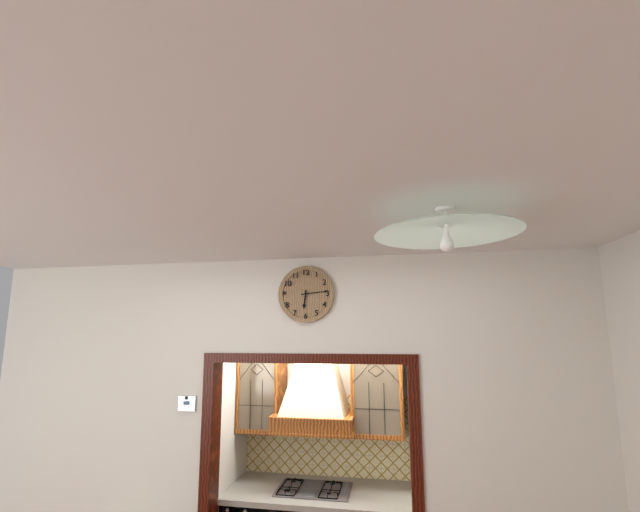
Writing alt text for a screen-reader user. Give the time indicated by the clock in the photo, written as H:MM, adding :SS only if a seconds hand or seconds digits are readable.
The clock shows 6:14
